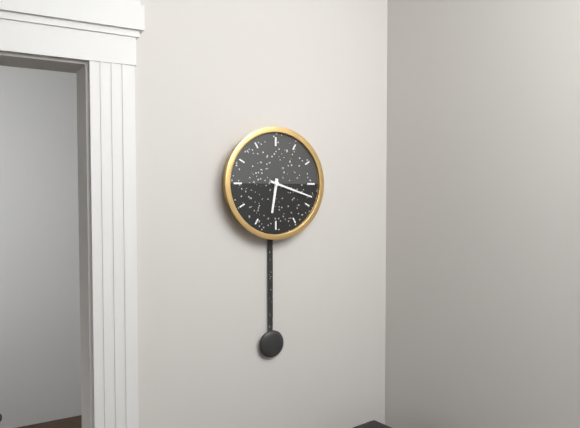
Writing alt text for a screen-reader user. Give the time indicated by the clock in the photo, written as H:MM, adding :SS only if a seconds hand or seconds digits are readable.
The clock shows 6:18
